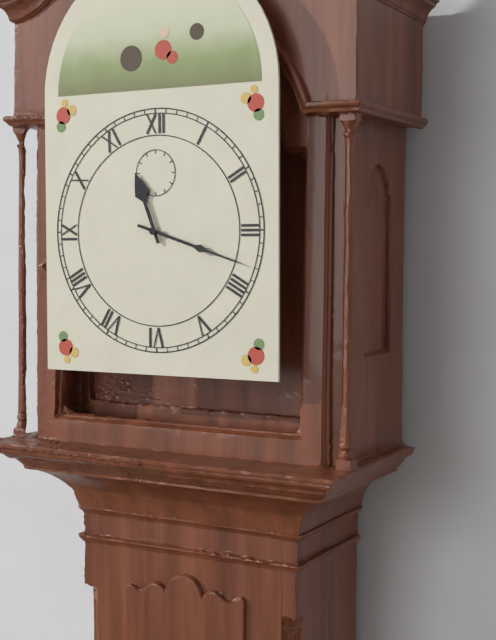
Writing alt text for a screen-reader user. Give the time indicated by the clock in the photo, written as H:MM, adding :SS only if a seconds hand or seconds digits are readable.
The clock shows 11:18
